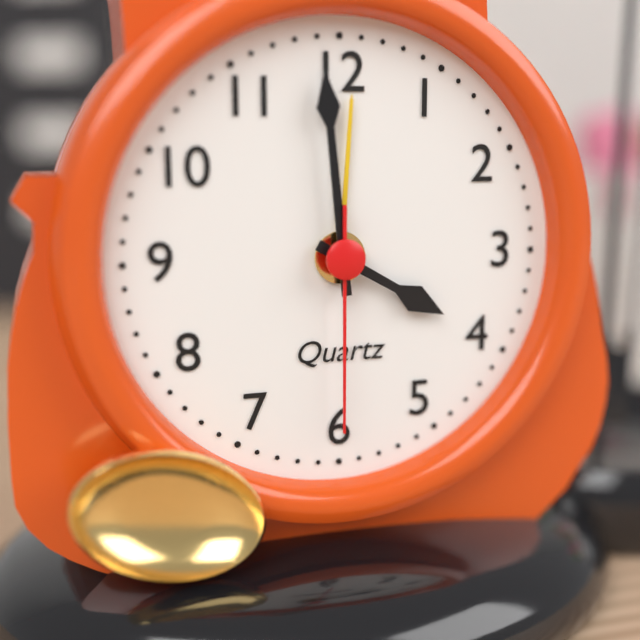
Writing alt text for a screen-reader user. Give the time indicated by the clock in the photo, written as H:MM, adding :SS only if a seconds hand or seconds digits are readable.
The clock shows 3:59:30
